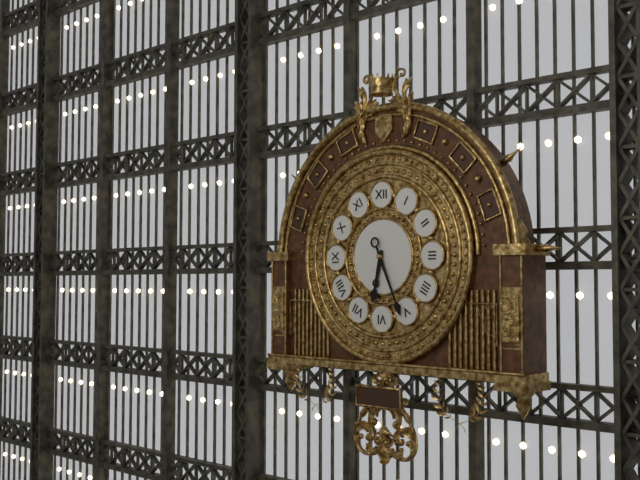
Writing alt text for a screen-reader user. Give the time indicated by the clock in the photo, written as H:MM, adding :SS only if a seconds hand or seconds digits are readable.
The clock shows 6:26
